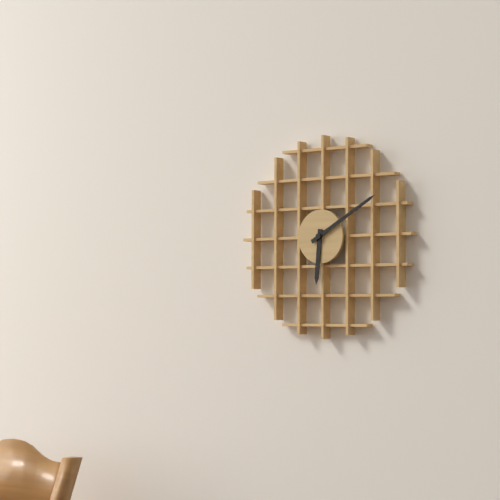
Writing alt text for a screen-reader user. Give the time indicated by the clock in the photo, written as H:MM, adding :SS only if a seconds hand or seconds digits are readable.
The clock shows 6:10
